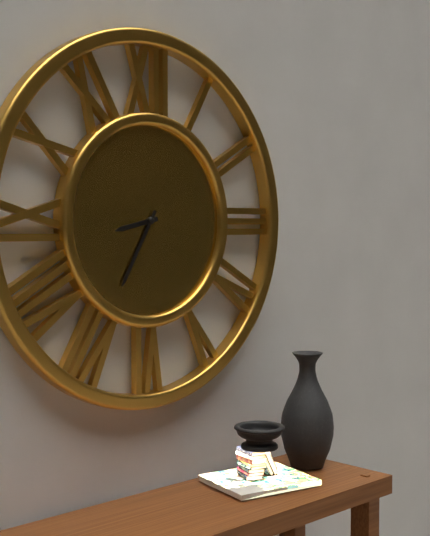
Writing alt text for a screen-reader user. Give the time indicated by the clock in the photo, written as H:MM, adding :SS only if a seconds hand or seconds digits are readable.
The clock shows 8:35
